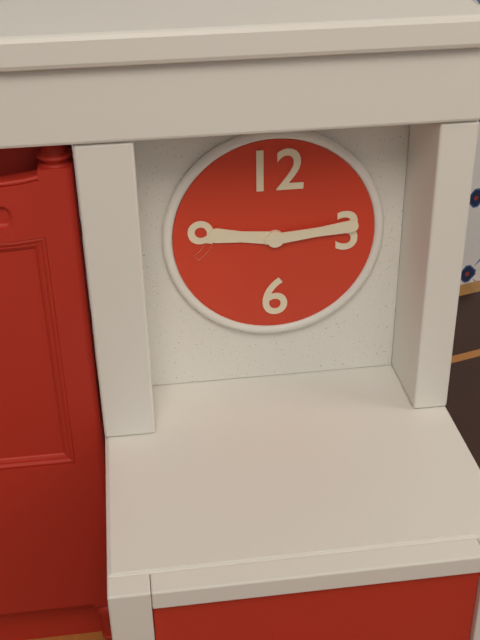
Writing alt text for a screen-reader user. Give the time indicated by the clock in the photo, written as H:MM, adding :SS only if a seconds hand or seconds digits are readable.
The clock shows 9:14
